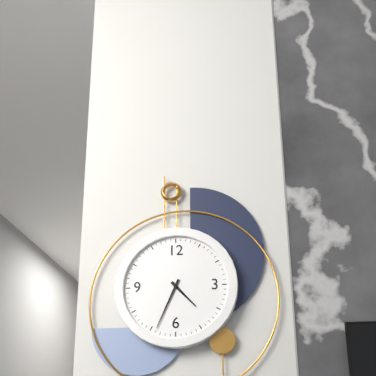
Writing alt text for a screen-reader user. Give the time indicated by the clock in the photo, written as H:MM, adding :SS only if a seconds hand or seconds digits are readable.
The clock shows 4:34
